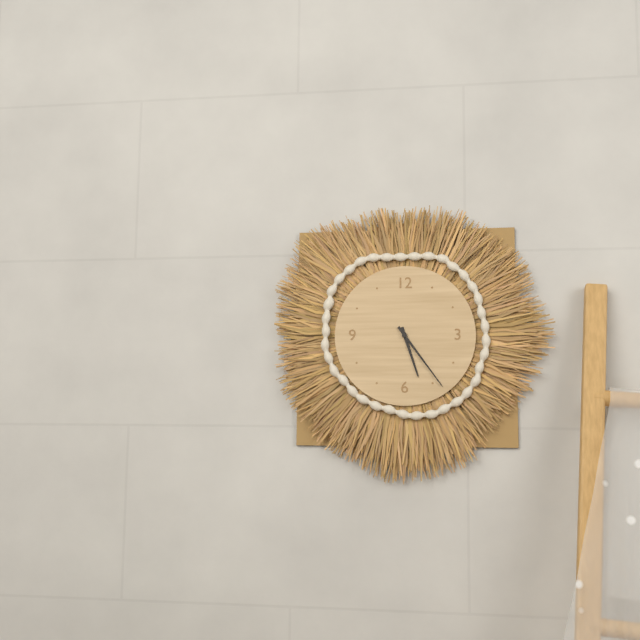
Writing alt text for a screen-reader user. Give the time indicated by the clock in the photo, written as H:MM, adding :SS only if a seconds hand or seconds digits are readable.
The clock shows 5:24
